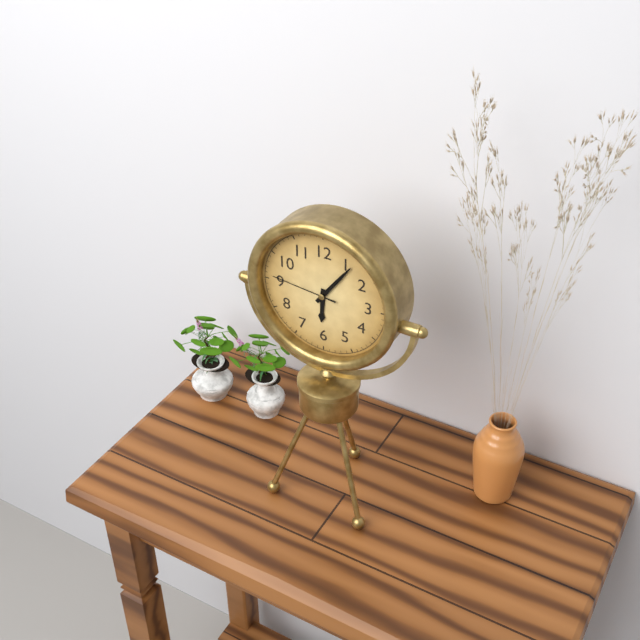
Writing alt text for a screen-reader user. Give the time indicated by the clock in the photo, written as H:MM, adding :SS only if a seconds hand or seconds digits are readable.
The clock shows 6:06:46
